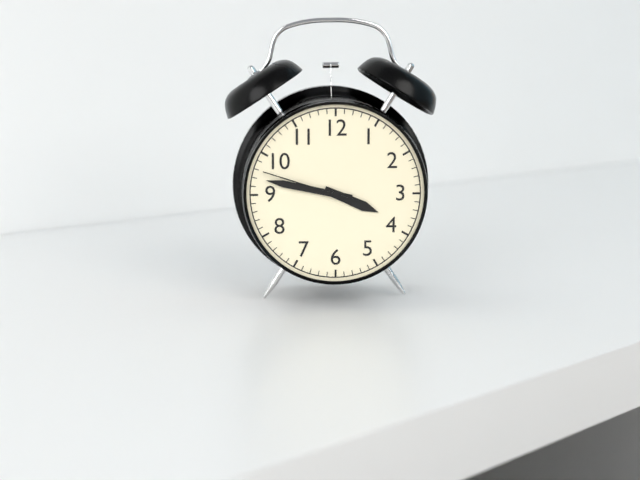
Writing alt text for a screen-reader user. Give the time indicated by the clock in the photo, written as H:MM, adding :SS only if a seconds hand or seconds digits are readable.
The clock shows 3:47:48
